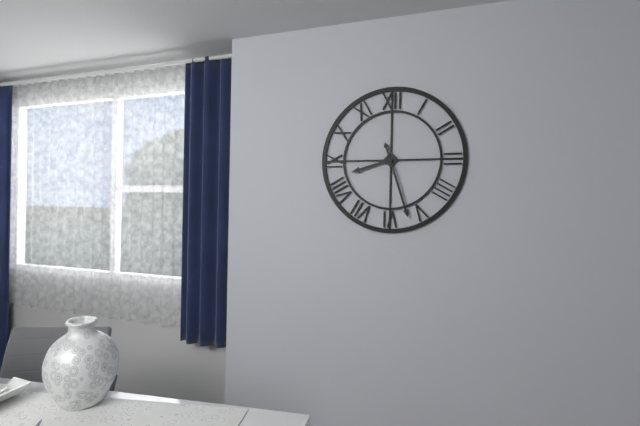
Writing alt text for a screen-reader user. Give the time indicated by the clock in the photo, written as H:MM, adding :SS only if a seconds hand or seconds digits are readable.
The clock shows 8:27
